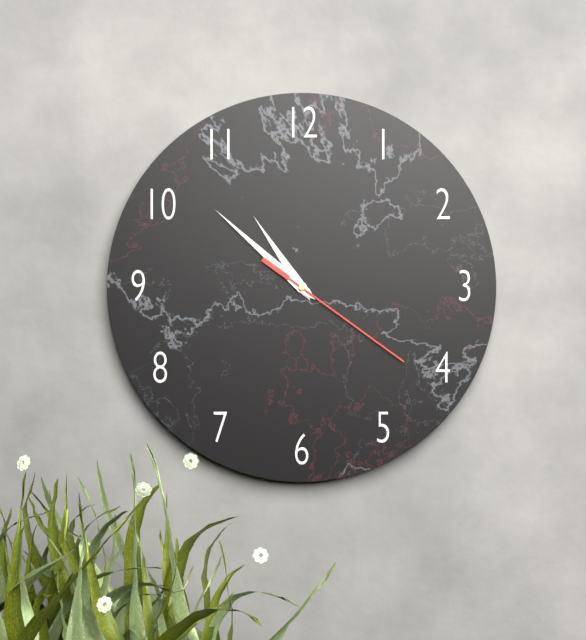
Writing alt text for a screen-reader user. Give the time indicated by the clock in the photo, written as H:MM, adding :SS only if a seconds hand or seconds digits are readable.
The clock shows 10:52:21
